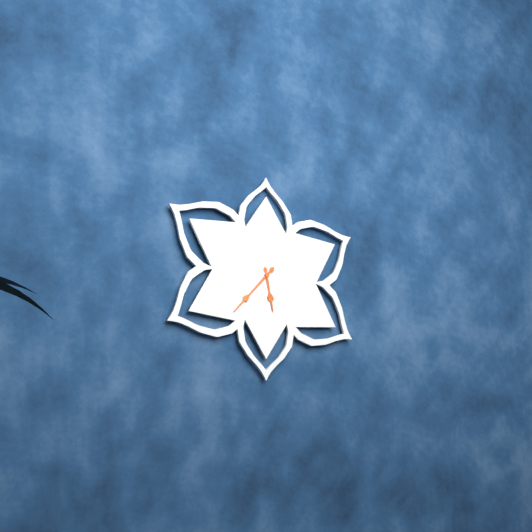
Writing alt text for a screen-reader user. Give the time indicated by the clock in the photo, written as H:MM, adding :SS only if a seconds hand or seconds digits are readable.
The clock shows 5:37
